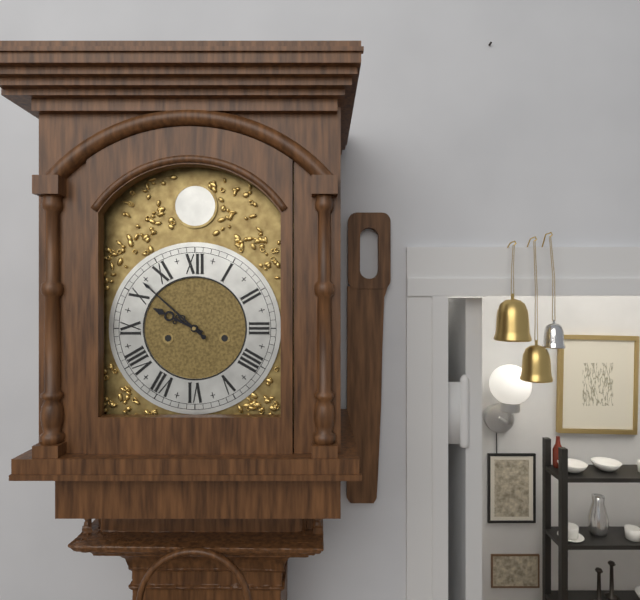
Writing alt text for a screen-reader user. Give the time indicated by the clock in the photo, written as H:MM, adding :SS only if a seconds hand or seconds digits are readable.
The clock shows 9:52
